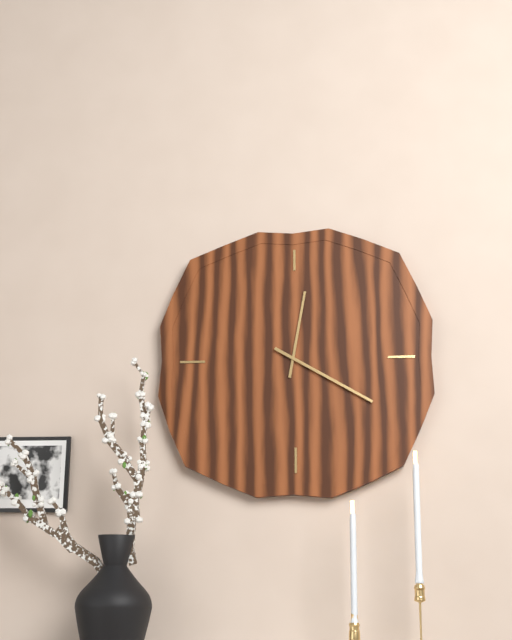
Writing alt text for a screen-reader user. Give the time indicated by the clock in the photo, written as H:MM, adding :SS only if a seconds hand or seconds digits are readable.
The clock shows 12:20
